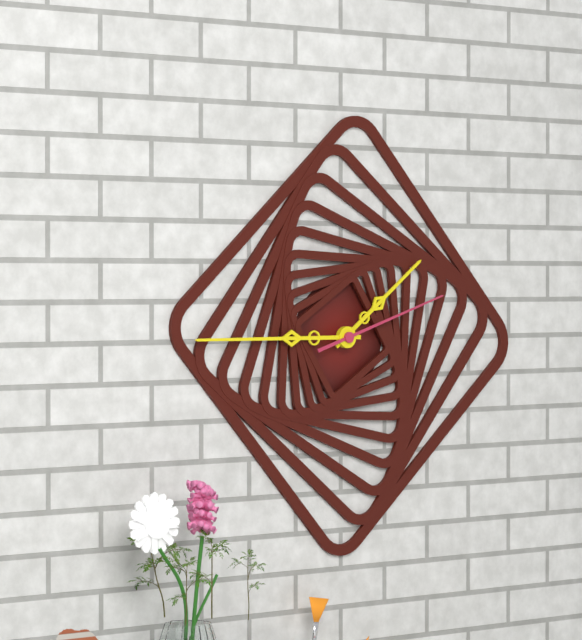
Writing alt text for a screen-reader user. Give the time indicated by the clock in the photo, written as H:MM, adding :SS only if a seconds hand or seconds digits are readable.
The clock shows 1:45:12
